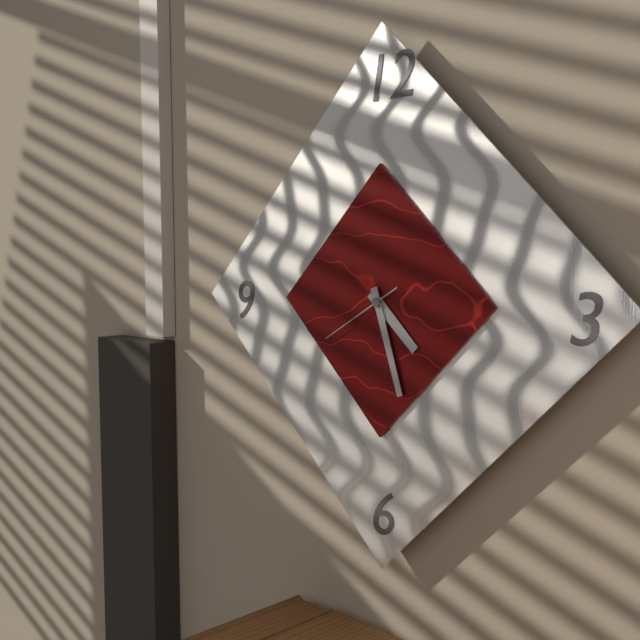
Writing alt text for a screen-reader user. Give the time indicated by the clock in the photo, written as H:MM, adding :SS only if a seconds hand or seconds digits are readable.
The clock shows 4:27:40
